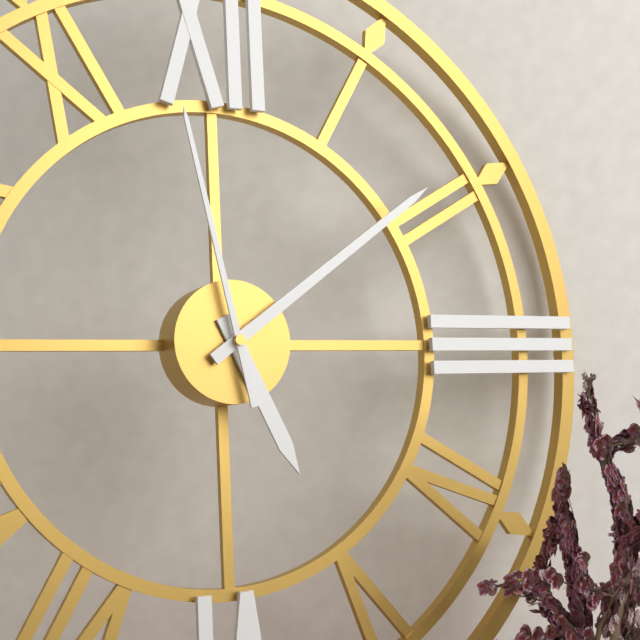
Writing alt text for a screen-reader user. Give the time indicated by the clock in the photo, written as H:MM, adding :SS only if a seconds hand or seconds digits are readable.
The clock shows 5:09:58
